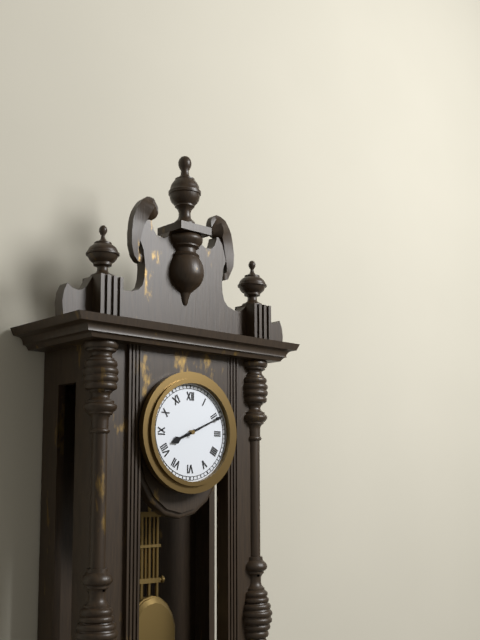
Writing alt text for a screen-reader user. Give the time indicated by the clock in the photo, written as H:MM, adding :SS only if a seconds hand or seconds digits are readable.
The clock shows 8:11
